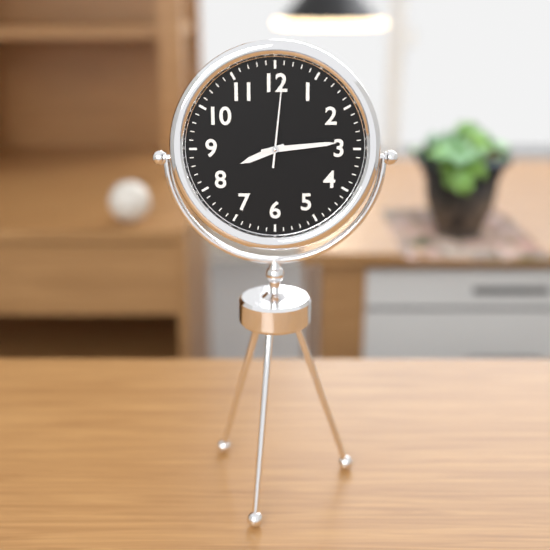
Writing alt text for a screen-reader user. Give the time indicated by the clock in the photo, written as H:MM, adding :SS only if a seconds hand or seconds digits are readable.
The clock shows 8:14:01
